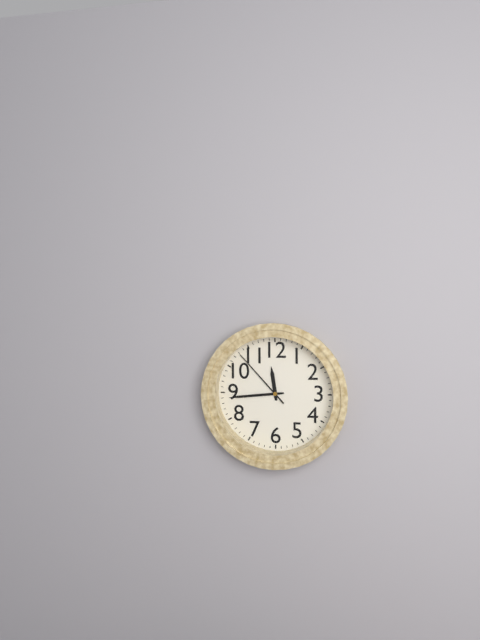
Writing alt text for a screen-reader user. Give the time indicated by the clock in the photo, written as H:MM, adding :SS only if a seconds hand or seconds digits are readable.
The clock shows 11:44:53
